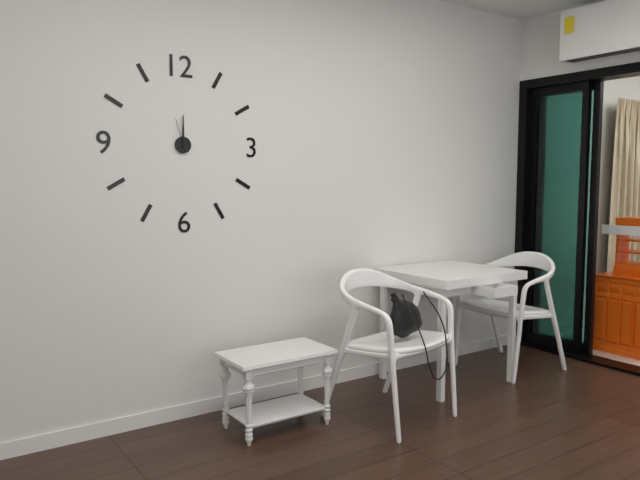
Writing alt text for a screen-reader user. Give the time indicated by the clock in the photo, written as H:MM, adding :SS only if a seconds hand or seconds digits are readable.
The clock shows 12:00
